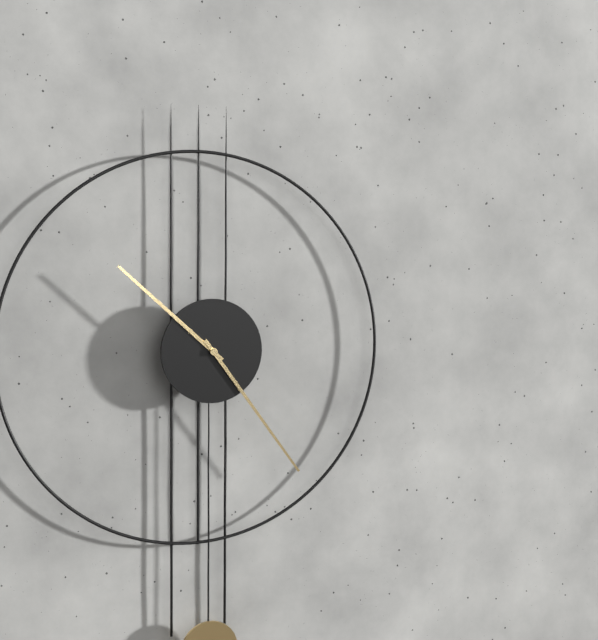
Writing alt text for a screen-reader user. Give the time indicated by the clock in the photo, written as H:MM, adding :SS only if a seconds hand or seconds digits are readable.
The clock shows 10:24
